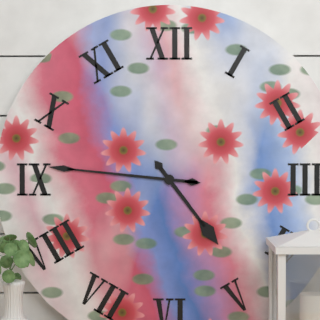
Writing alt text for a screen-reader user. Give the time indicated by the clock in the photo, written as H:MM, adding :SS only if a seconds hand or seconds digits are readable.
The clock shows 4:46
